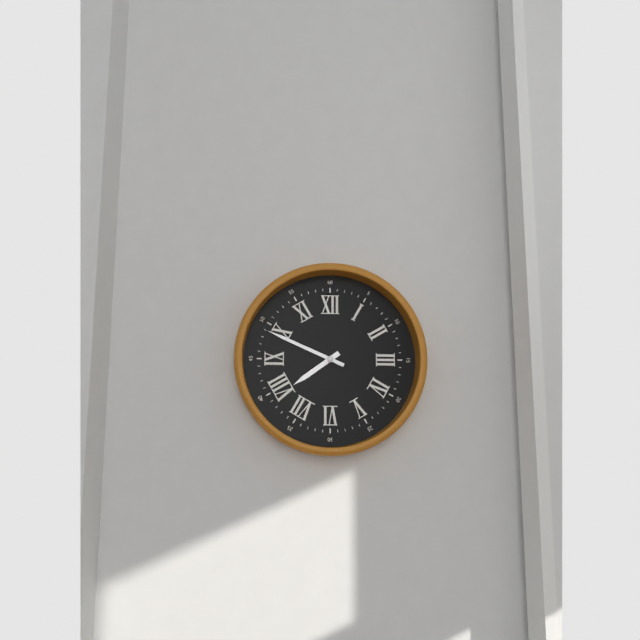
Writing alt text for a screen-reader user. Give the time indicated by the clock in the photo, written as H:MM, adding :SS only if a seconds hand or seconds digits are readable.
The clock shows 7:49
